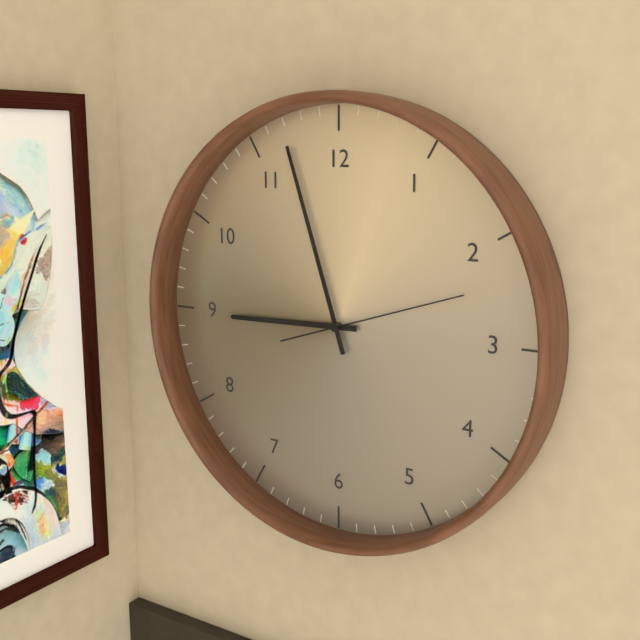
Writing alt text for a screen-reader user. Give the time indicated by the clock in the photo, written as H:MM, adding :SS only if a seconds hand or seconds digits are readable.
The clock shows 8:57:12
